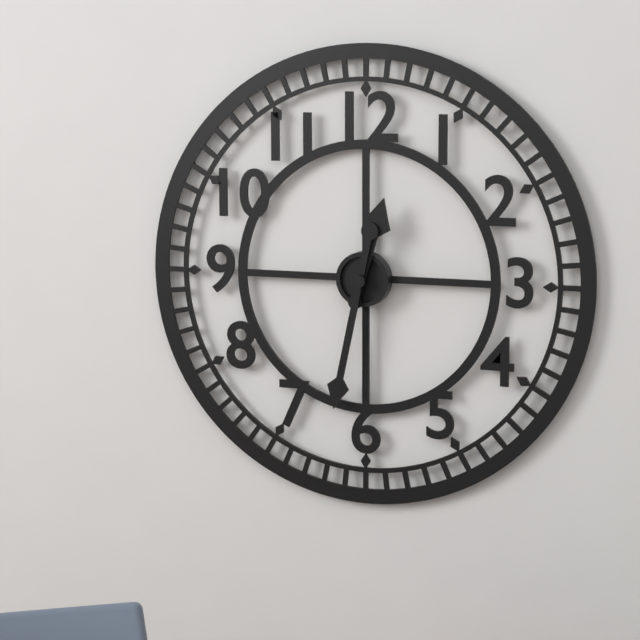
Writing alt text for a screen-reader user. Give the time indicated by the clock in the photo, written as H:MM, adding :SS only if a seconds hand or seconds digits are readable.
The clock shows 12:32
